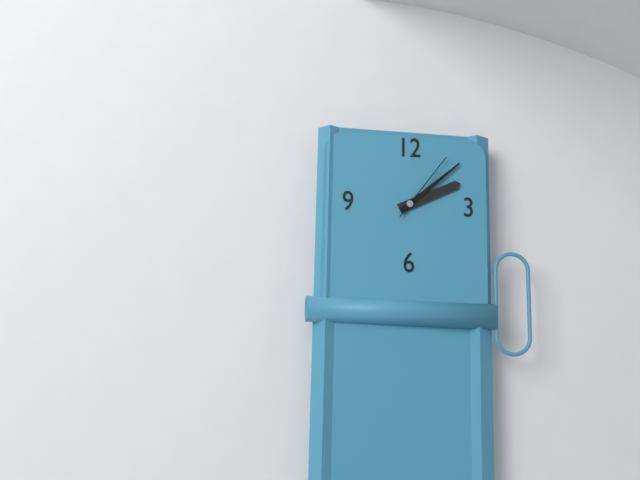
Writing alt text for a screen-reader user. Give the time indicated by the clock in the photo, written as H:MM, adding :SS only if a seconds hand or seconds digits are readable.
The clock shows 2:08:06
